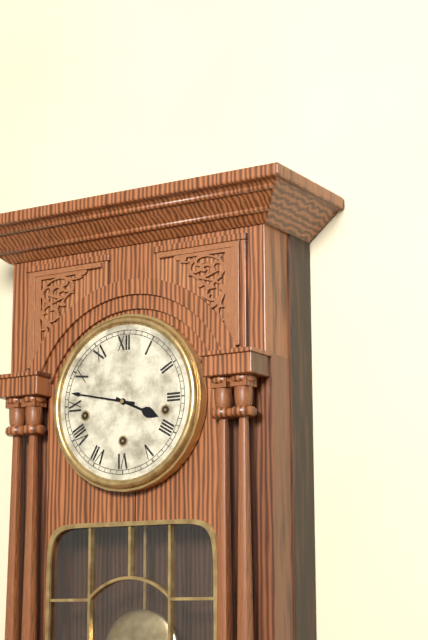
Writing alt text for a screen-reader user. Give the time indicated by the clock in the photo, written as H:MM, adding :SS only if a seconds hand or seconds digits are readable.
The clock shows 3:47
